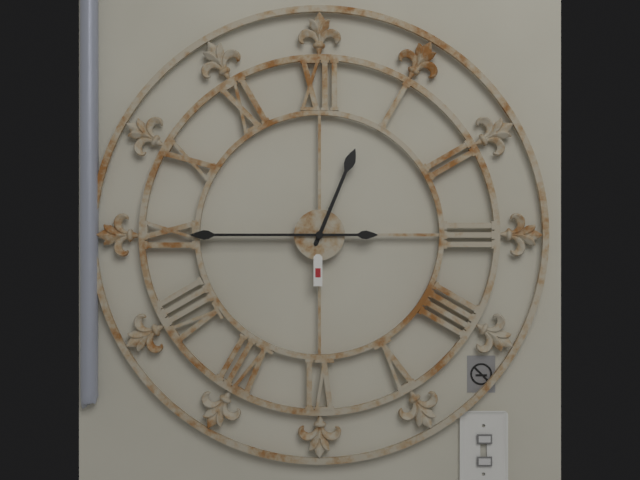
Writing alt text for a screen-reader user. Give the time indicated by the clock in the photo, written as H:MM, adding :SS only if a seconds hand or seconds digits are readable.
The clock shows 12:45
